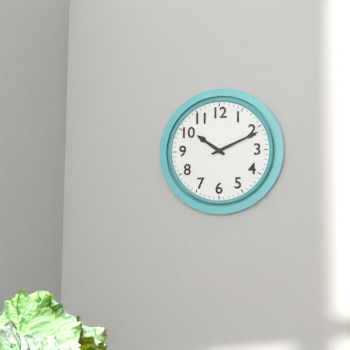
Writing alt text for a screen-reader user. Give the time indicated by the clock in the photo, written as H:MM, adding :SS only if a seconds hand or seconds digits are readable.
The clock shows 10:11
